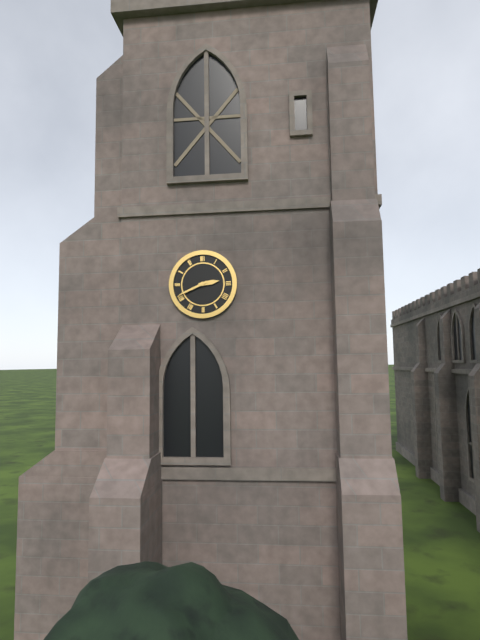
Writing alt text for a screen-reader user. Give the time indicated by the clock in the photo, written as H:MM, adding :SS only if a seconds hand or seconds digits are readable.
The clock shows 2:41
